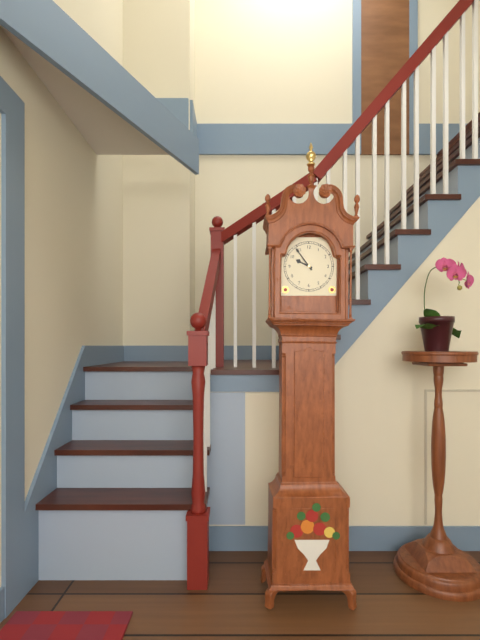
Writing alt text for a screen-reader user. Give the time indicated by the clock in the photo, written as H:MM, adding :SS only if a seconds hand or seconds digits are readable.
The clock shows 9:54
